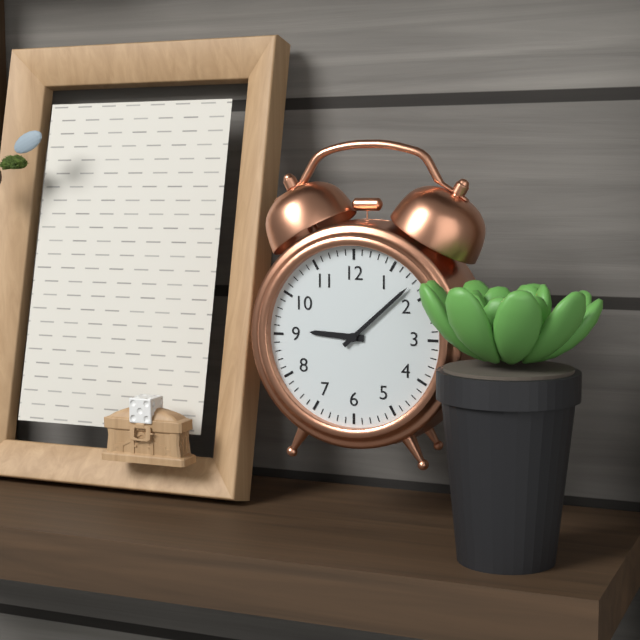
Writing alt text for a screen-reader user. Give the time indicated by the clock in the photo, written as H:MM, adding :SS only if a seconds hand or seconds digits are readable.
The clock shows 9:08
